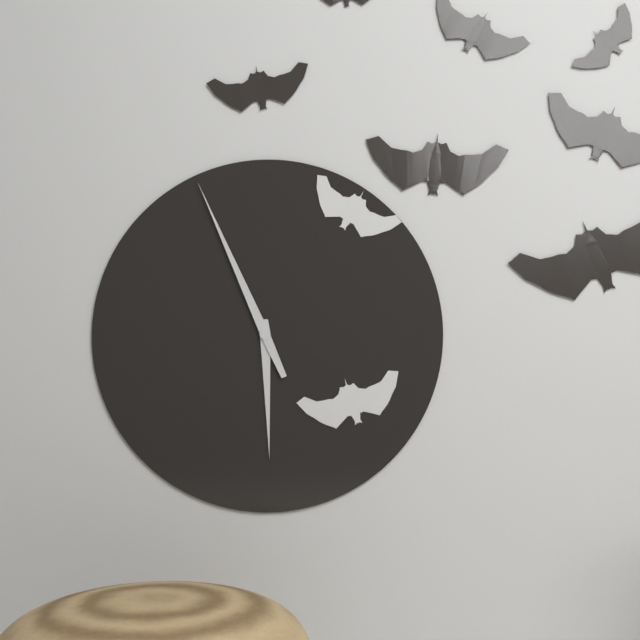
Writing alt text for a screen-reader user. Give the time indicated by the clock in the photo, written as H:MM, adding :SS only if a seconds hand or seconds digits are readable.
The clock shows 5:56
